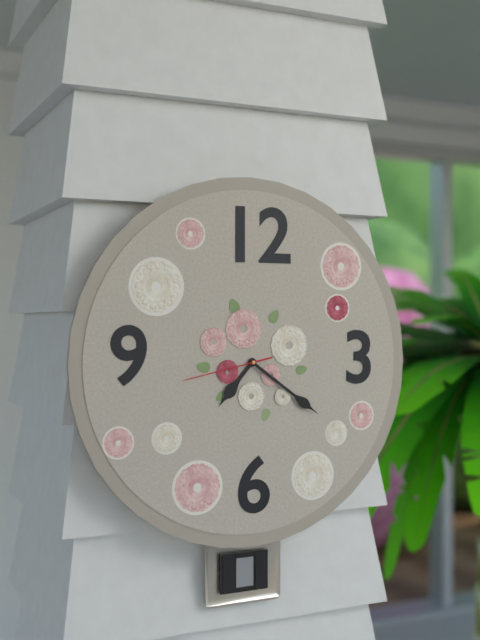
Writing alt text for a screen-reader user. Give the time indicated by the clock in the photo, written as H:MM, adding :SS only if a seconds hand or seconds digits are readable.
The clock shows 7:21:43
